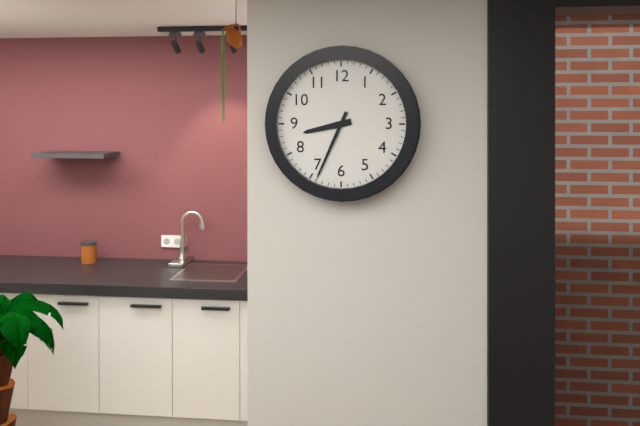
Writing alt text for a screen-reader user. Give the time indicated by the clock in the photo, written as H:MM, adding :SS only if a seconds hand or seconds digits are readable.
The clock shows 8:34
